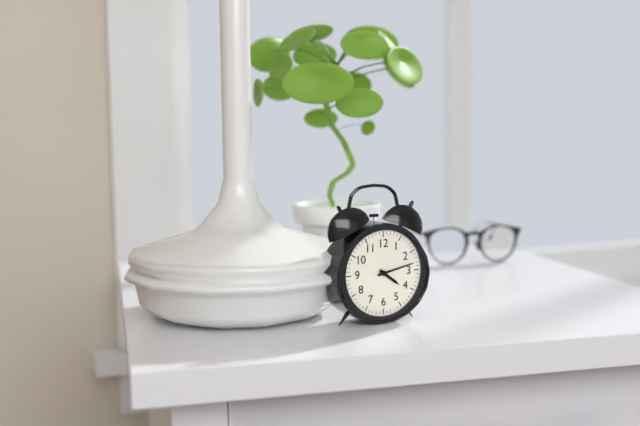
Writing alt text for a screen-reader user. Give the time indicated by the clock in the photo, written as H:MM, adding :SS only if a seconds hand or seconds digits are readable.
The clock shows 4:13
